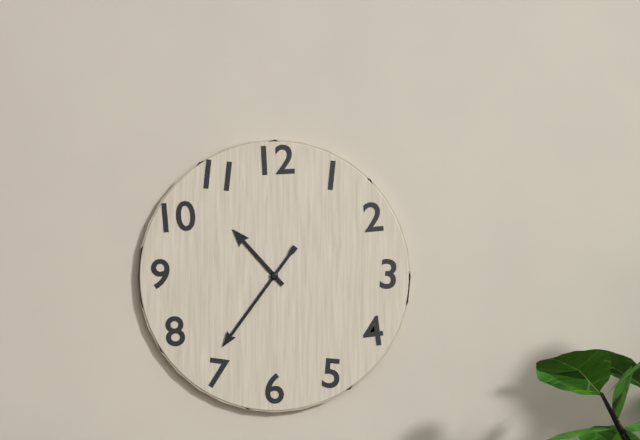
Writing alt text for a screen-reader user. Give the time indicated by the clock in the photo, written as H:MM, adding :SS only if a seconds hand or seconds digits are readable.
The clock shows 10:36
